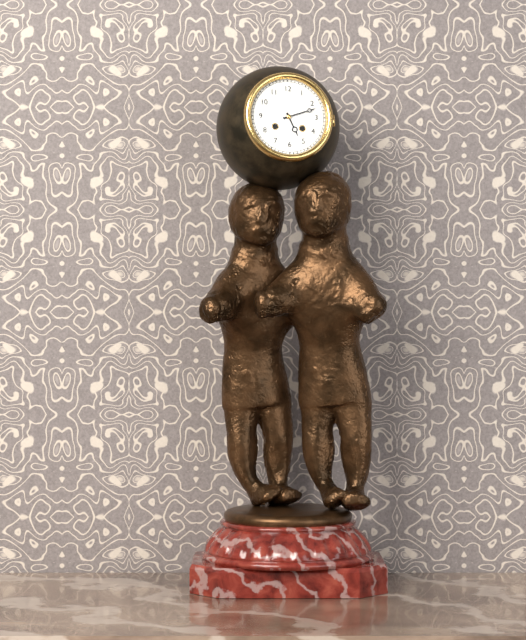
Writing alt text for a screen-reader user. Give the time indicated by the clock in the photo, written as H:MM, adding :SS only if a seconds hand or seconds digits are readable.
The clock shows 5:12
